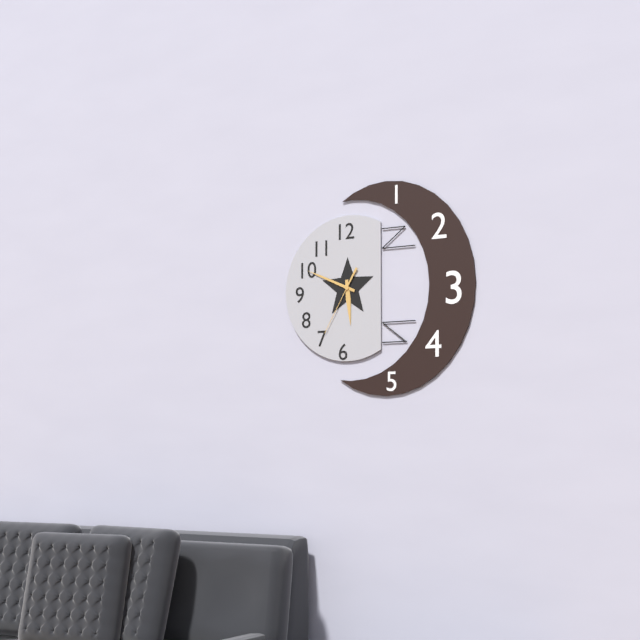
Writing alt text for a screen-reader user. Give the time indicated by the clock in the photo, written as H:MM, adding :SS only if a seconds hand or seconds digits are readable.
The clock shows 5:49:35
